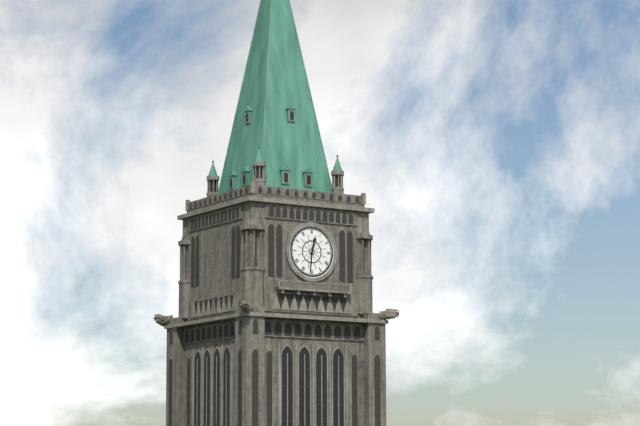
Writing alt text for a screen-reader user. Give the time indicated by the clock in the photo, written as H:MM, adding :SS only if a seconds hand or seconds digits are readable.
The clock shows 12:31
